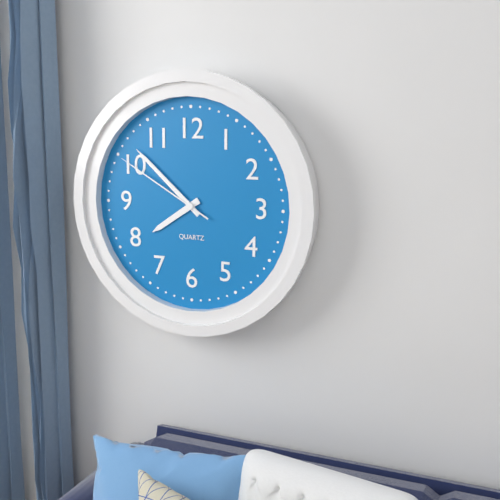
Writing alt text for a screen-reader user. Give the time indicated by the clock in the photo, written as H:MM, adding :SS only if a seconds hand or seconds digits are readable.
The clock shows 7:52:50
